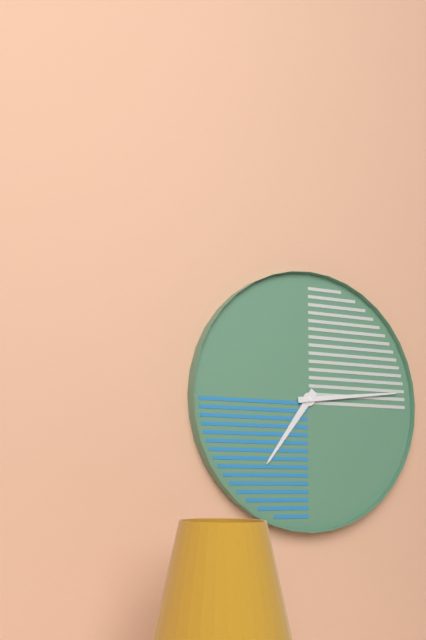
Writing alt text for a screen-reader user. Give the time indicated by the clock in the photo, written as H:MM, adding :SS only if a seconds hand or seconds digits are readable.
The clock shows 7:14
